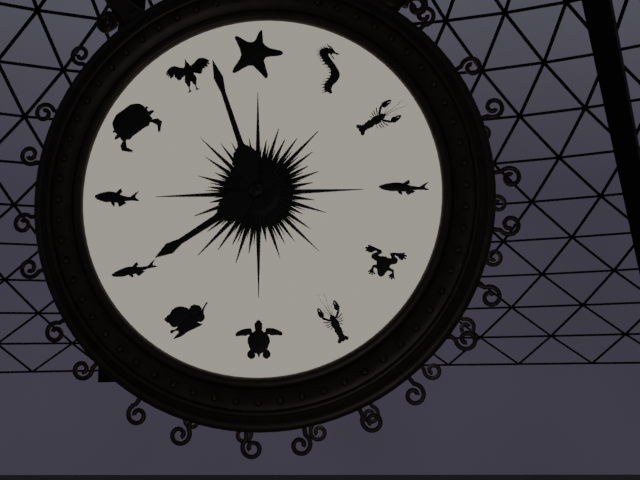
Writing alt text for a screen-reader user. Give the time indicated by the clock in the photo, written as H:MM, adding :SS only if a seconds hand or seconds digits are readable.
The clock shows 7:57
